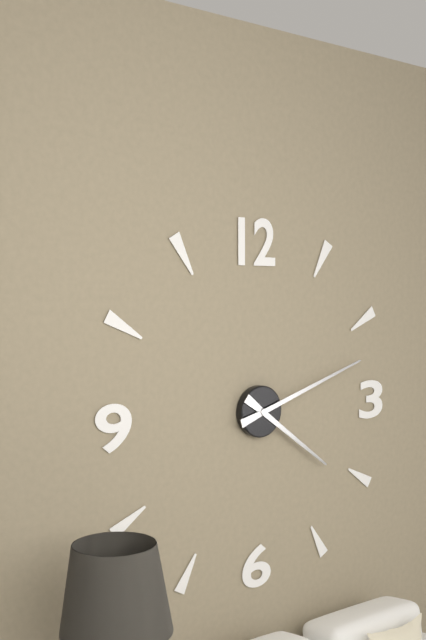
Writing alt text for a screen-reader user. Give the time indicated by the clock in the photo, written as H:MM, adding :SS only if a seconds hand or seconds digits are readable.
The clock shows 4:12
